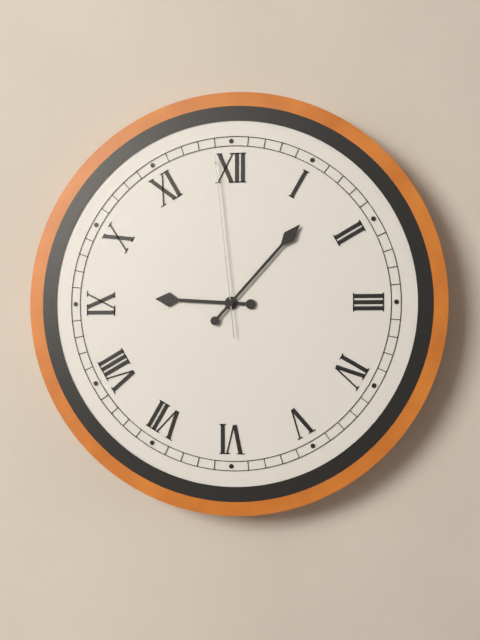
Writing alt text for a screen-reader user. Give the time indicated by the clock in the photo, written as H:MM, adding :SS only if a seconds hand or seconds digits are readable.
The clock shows 9:07:59
